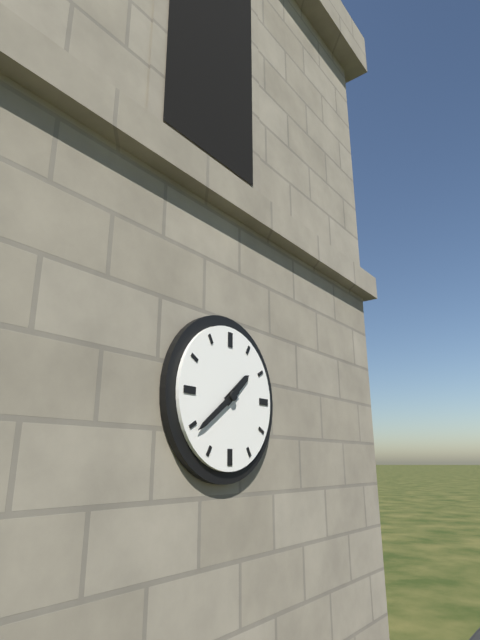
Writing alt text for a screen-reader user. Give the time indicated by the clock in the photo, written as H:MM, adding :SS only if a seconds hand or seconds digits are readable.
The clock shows 1:39
